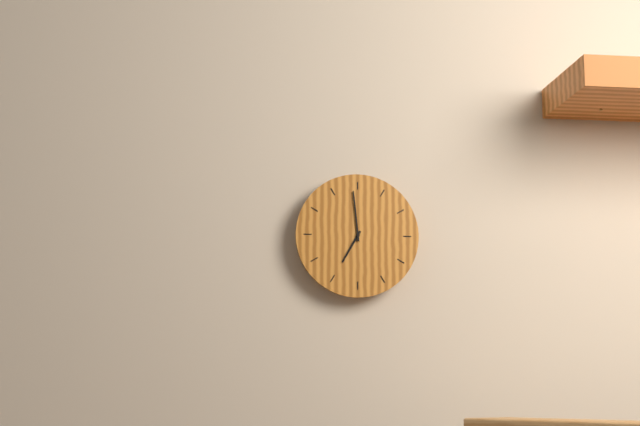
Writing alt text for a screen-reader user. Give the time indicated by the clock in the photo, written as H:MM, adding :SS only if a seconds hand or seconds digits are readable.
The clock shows 6:59
